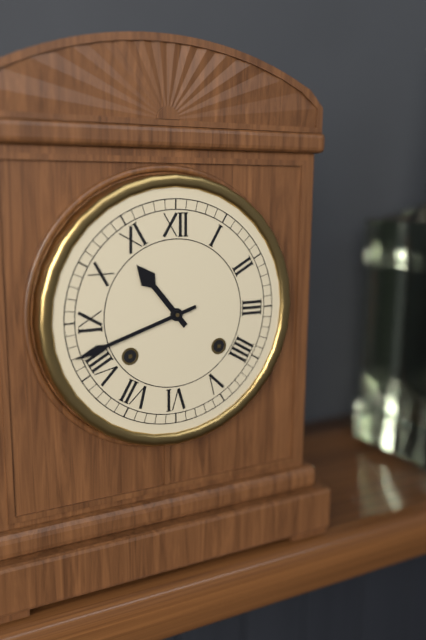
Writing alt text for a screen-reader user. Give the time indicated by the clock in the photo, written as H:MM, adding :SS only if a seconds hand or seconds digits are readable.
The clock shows 10:42
